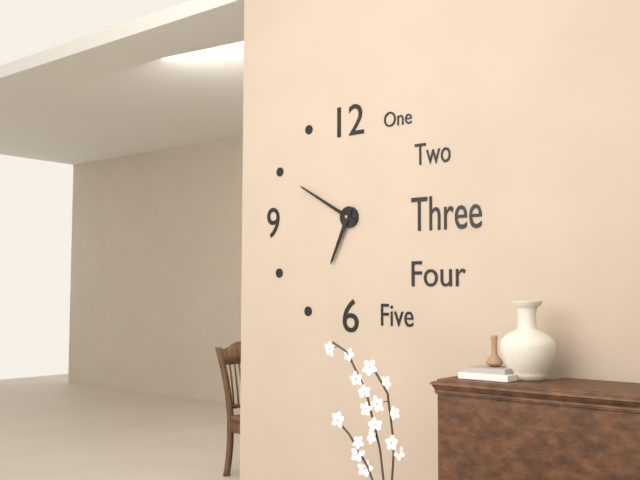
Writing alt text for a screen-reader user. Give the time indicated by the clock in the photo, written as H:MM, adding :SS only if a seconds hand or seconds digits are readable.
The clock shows 6:50
